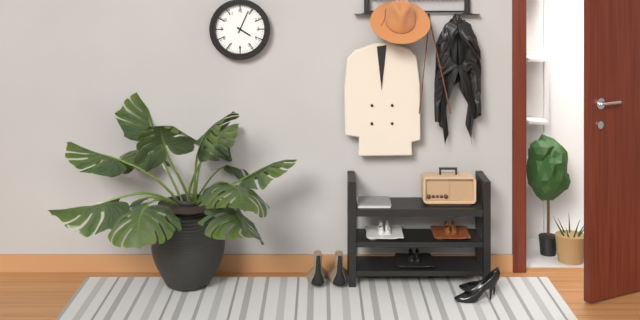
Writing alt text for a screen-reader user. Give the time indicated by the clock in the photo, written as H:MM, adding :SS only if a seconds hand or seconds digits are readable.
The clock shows 4:04
